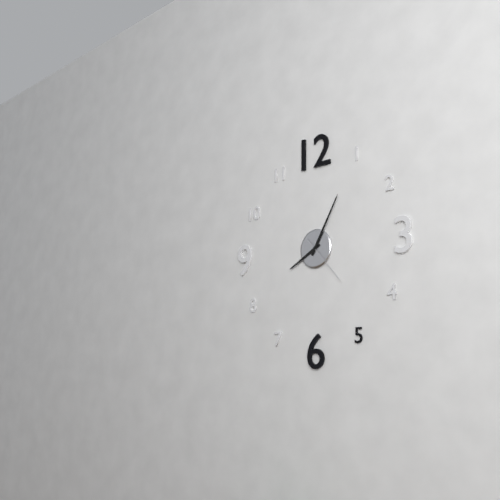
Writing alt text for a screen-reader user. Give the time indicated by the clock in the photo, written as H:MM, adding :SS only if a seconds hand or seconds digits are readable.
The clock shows 8:05:23
